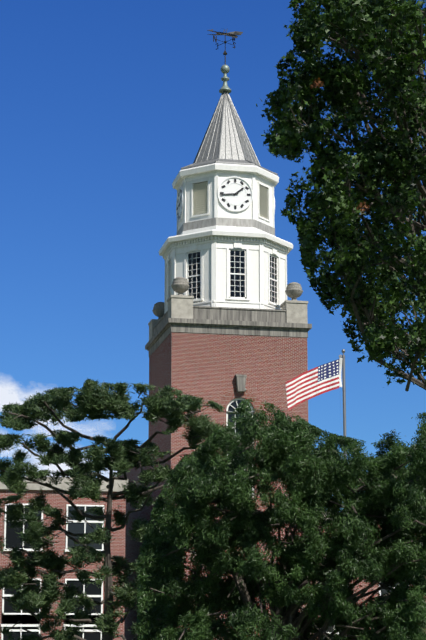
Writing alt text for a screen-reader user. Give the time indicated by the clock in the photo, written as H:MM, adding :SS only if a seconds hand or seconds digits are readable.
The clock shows 1:44
